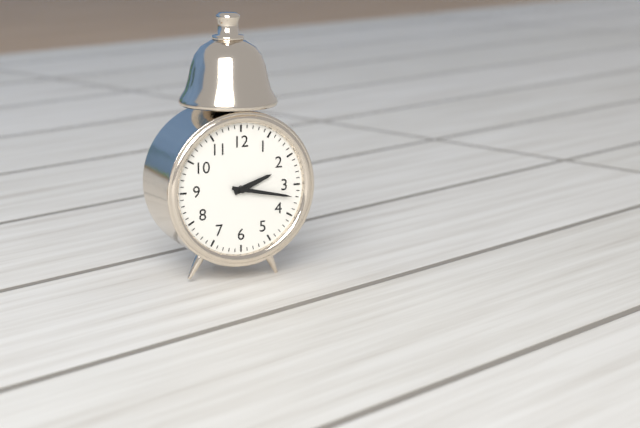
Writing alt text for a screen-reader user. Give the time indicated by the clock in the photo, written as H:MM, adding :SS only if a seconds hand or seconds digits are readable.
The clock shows 2:17
